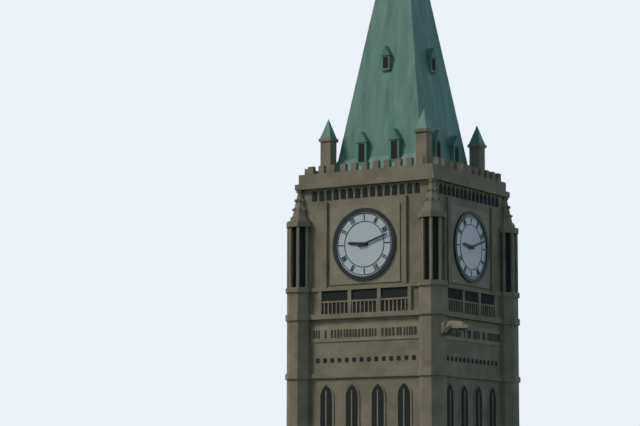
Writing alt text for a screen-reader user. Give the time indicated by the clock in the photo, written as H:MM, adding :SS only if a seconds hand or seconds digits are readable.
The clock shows 9:12
